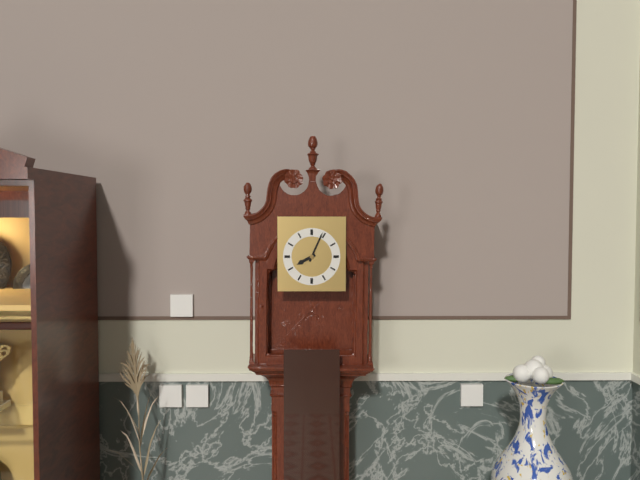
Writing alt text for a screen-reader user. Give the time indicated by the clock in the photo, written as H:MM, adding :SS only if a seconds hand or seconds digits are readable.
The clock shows 8:04
